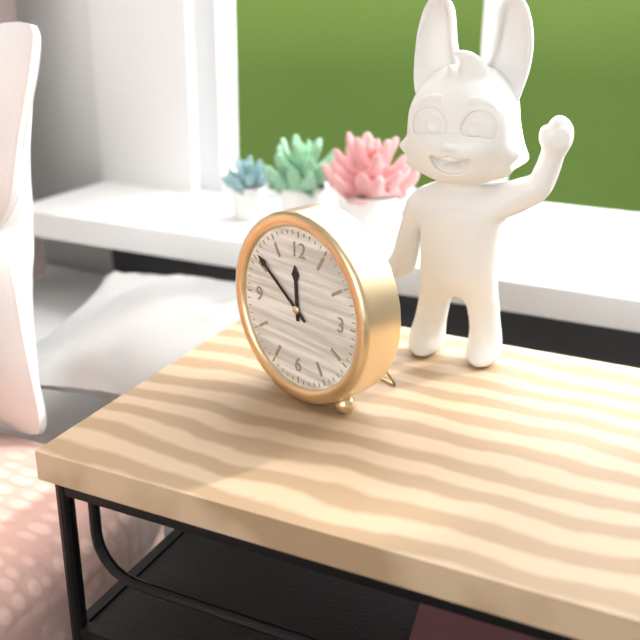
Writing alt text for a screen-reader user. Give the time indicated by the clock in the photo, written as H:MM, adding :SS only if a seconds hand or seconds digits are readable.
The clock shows 11:51
